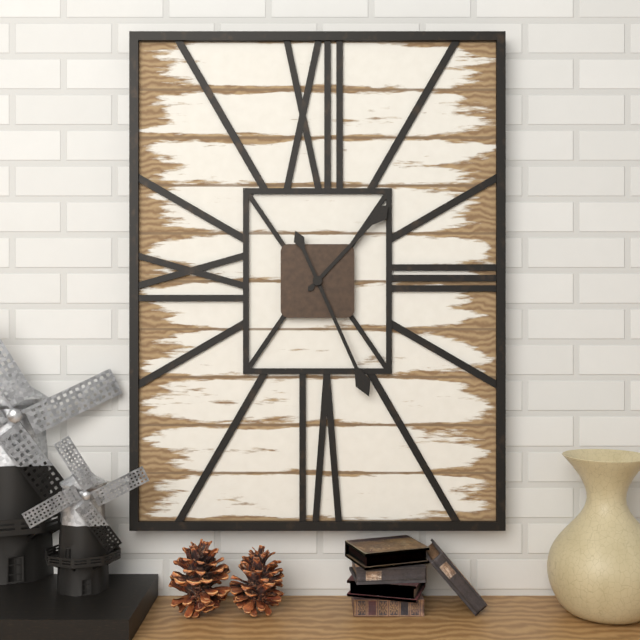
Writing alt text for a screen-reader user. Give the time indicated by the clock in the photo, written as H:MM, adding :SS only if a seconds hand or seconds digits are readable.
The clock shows 1:26
